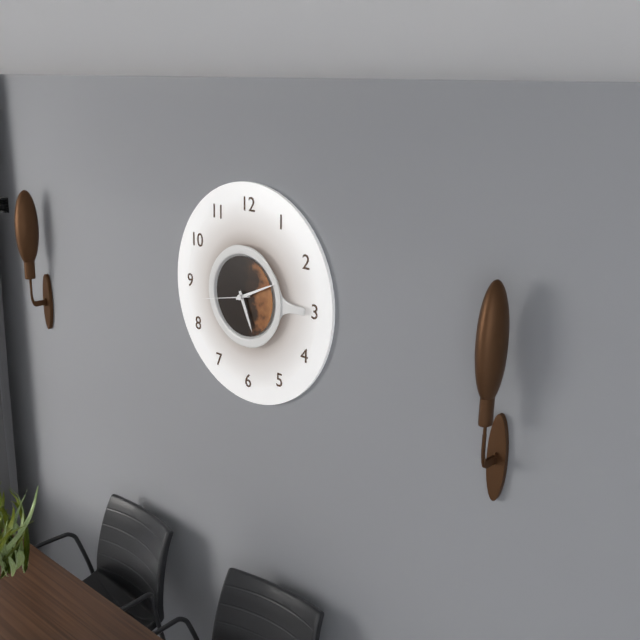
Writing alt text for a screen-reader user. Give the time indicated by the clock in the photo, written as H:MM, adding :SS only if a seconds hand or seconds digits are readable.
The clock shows 5:11
